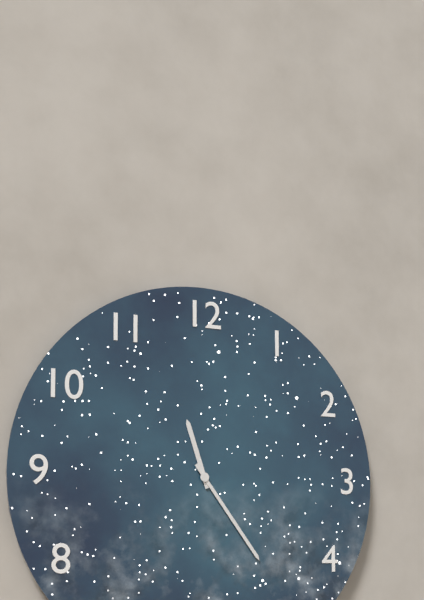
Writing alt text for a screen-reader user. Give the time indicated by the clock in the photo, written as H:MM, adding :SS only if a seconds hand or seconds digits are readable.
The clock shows 11:24
